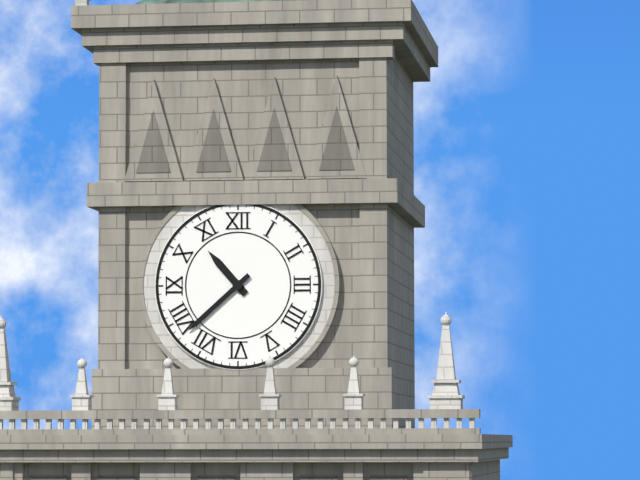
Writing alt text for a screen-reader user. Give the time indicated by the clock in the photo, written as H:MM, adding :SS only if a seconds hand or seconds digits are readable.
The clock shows 10:38
